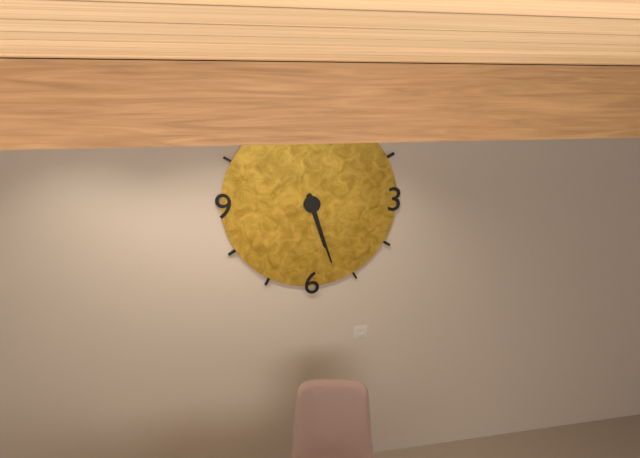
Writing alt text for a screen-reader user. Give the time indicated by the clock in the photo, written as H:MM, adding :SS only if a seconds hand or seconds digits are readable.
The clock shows 5:27
